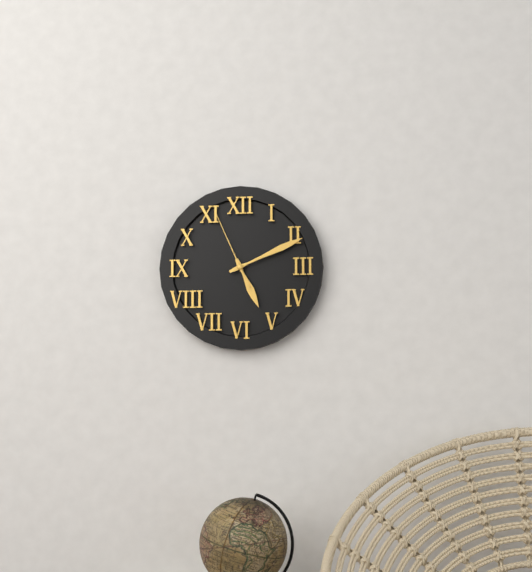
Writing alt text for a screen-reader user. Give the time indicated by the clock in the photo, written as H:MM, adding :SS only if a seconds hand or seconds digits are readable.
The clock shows 5:11:56
